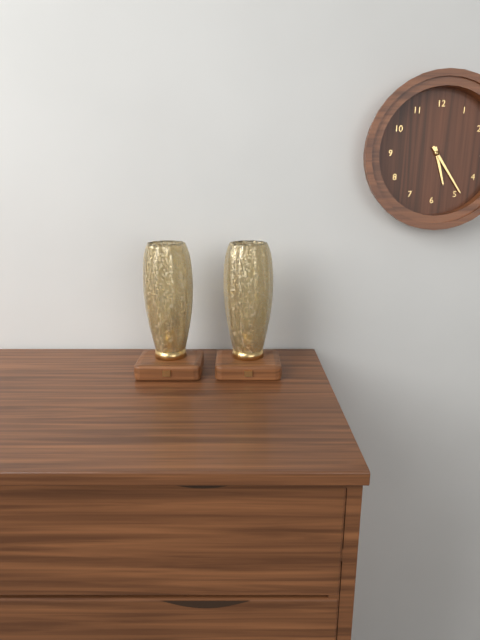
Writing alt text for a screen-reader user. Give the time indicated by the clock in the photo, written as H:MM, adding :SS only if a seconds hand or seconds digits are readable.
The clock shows 5:24
